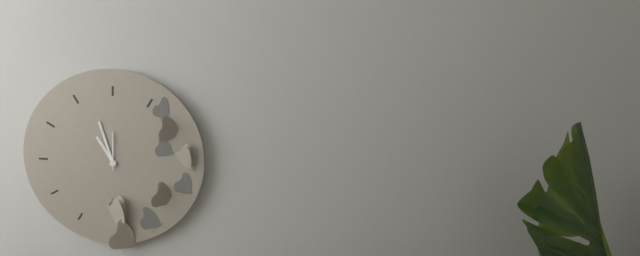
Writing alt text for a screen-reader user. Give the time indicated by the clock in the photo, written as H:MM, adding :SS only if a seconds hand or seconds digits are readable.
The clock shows 10:57
